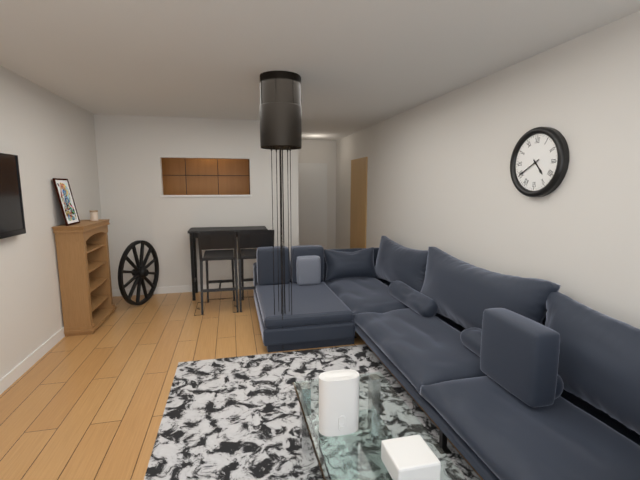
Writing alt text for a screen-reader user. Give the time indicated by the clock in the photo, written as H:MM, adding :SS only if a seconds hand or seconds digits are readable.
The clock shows 4:40
